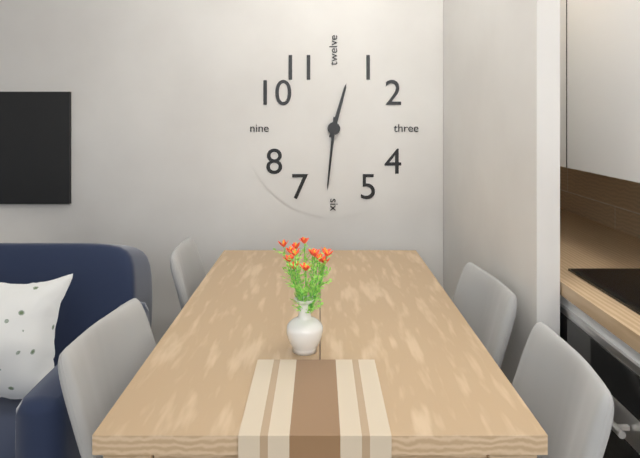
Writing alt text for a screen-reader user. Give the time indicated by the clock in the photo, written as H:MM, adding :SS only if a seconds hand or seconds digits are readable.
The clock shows 12:31
